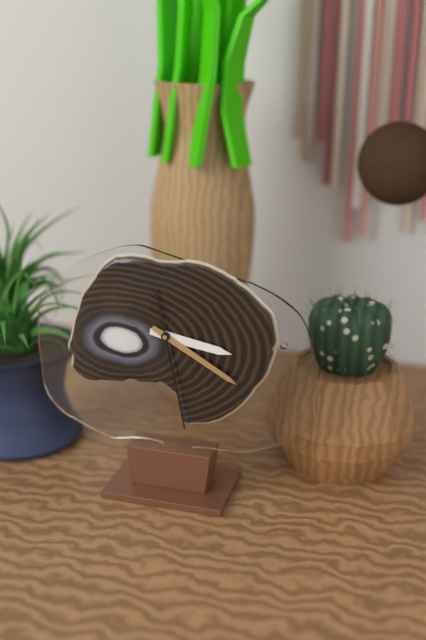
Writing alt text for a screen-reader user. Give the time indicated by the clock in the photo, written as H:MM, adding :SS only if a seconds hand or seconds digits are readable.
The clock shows 3:20:28
